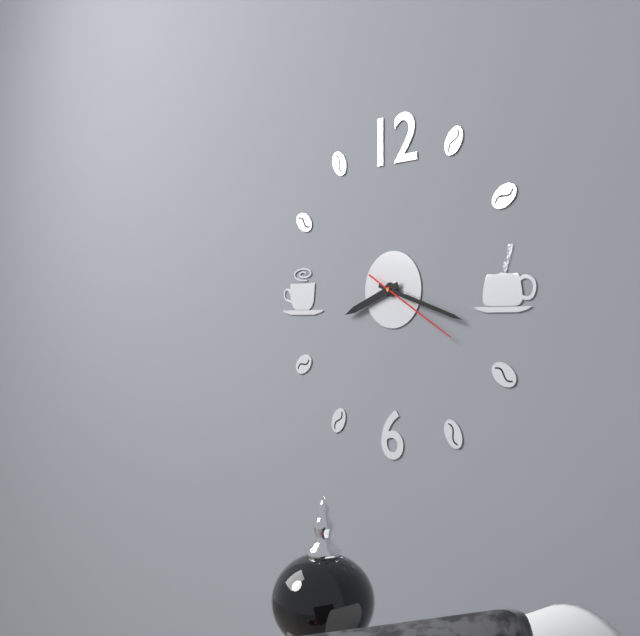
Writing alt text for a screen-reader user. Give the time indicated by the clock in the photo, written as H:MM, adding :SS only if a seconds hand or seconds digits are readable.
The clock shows 8:18:20
